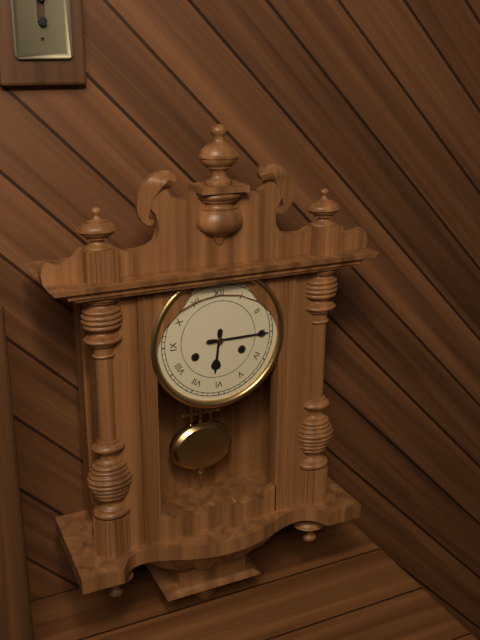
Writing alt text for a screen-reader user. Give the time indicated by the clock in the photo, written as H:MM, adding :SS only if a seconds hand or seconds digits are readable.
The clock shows 6:15
